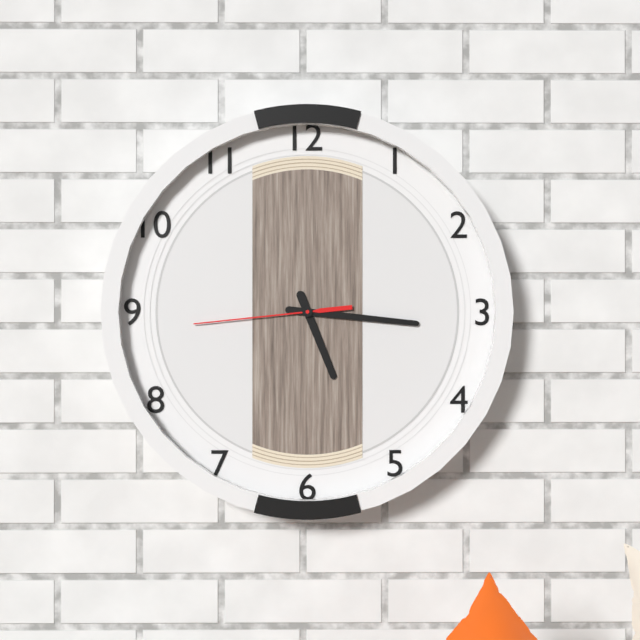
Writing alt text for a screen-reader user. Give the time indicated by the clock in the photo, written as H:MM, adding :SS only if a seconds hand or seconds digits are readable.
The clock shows 5:16:44
